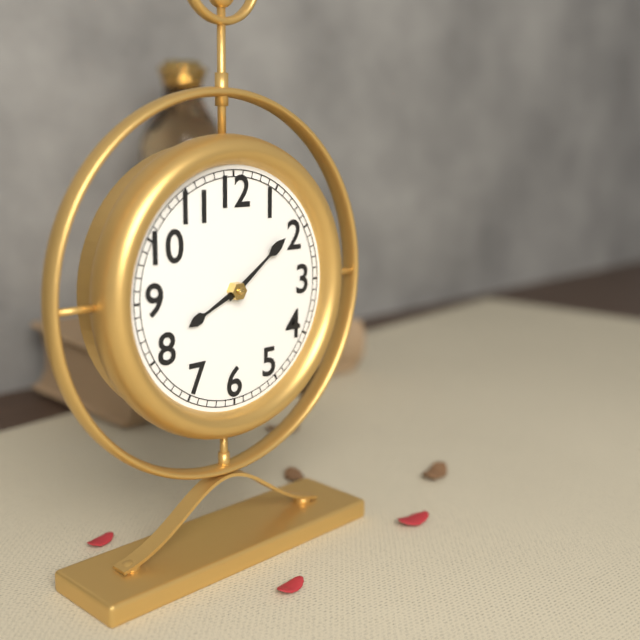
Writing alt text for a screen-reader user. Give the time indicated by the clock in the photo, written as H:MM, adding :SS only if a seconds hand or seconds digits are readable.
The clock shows 8:09
